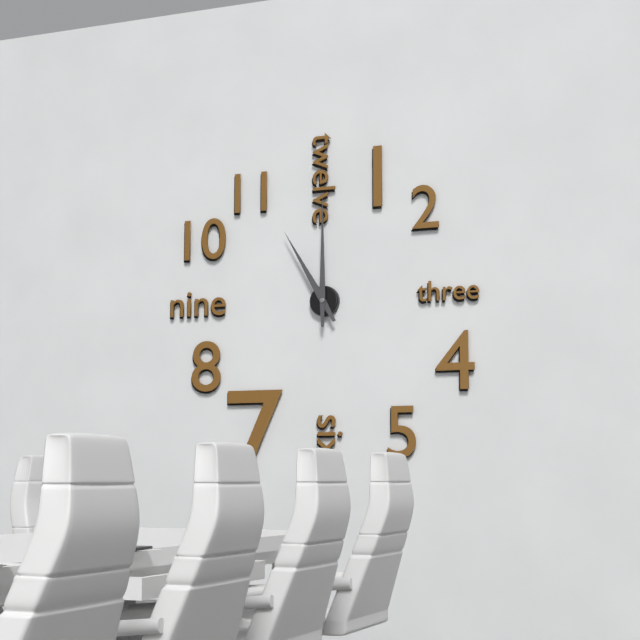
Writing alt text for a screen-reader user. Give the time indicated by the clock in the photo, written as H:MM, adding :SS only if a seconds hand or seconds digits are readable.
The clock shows 11:00
